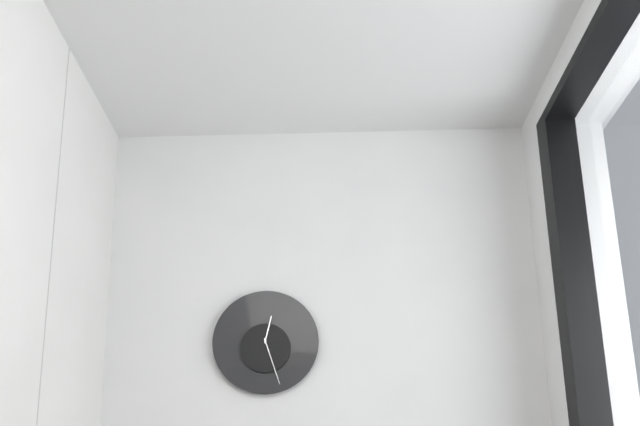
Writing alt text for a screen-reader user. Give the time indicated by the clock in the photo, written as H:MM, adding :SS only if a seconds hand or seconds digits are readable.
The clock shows 12:27
